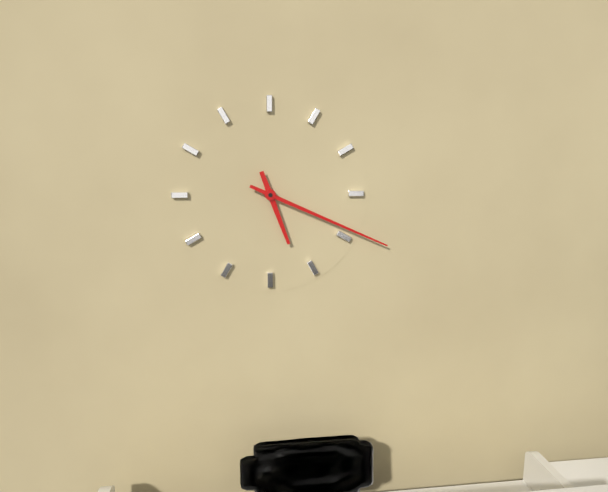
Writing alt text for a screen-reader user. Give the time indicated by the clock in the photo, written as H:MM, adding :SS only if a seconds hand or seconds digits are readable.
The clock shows 5:19
